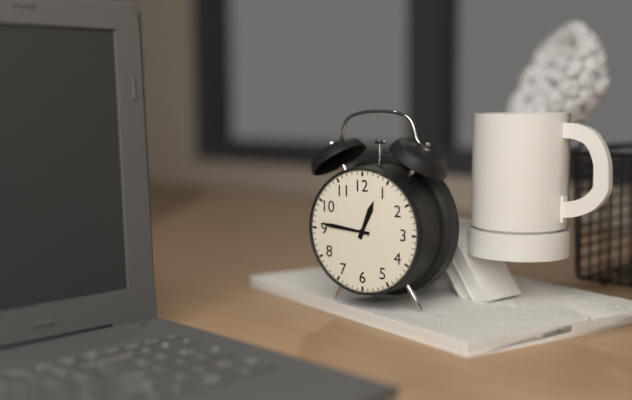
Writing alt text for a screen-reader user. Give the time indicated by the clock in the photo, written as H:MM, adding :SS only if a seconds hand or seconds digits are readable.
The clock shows 12:46
